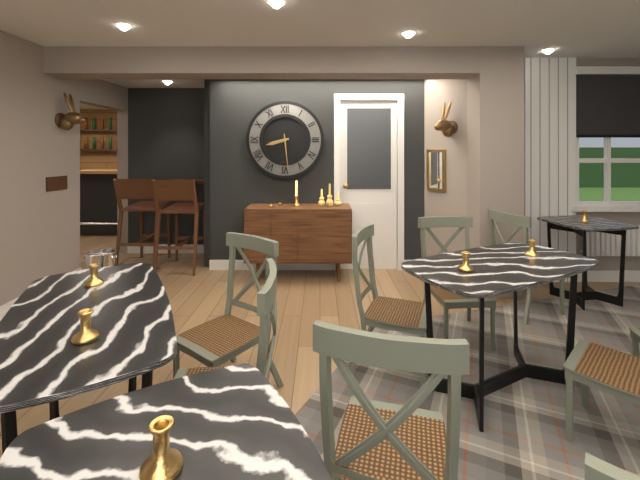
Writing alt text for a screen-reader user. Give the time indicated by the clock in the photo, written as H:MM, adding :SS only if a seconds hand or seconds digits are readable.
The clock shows 8:29
